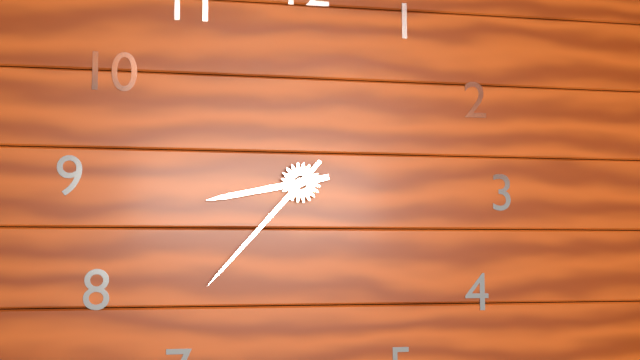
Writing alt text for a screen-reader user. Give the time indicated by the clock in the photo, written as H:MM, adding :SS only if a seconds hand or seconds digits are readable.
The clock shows 8:37
